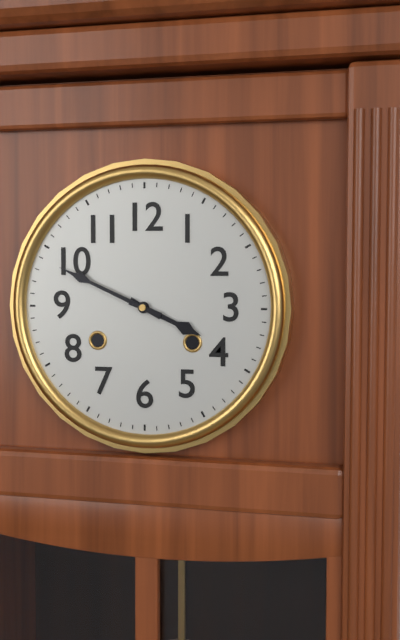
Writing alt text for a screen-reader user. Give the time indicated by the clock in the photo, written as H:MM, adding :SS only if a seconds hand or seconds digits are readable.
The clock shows 3:49
